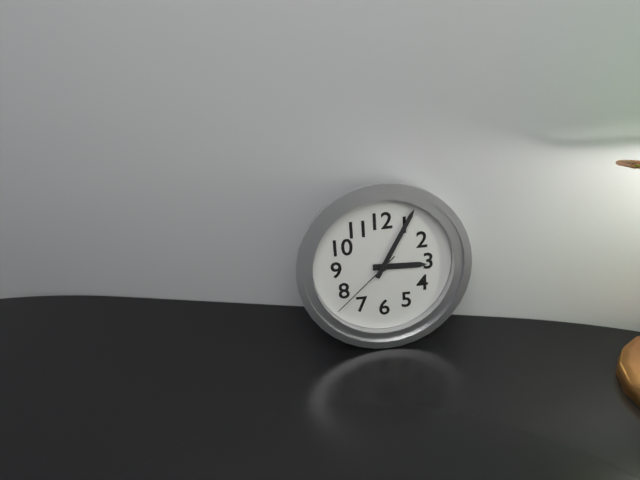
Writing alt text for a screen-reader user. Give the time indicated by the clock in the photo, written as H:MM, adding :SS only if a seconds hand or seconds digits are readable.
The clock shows 3:05:38
